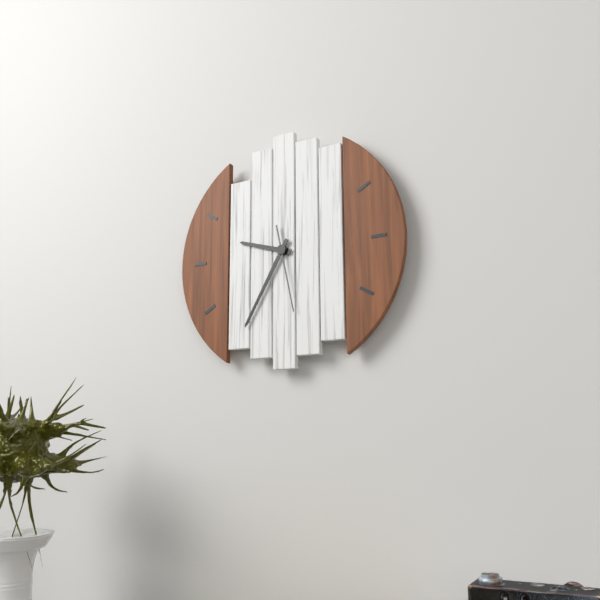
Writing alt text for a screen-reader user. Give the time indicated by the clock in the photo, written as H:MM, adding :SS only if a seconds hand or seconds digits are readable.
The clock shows 9:35:28
